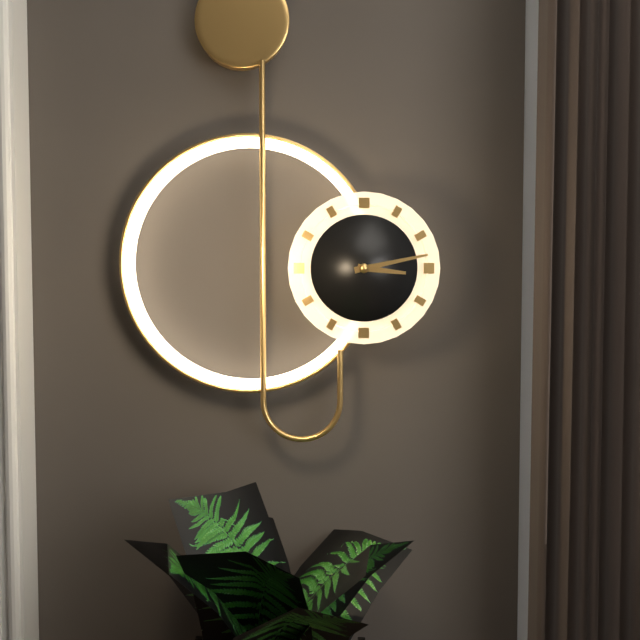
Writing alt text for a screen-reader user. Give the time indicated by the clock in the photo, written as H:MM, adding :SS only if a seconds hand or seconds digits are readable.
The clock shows 3:13
